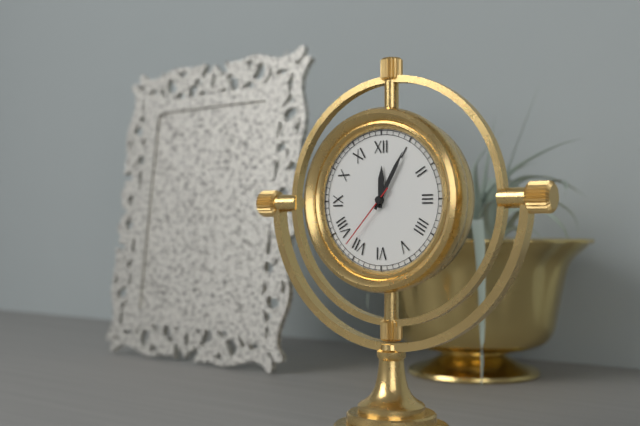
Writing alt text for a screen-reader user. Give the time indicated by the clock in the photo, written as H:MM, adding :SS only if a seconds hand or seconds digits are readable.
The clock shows 12:05:37
